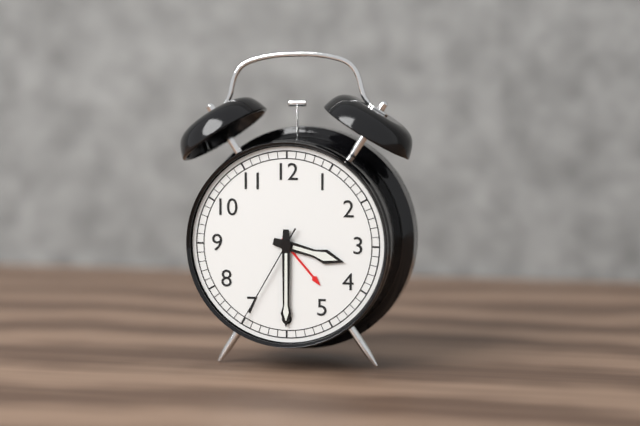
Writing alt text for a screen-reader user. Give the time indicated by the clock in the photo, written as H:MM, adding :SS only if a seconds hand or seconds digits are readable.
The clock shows 3:30:35
